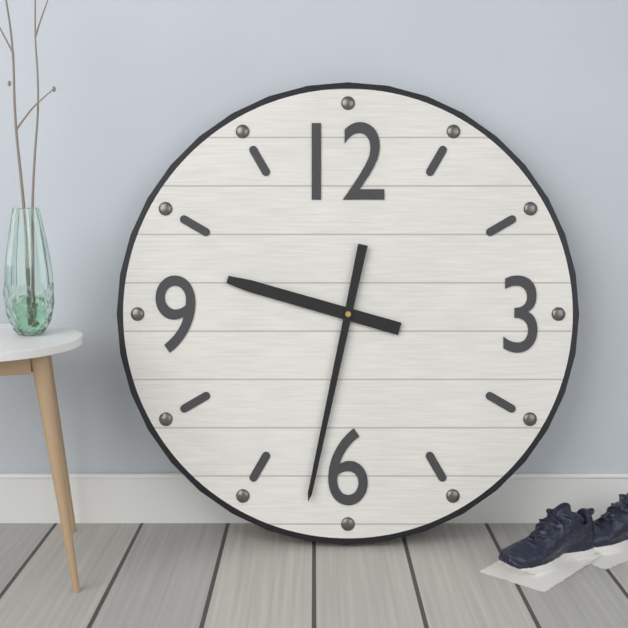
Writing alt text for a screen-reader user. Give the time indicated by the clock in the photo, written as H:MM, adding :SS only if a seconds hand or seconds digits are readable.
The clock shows 9:32
